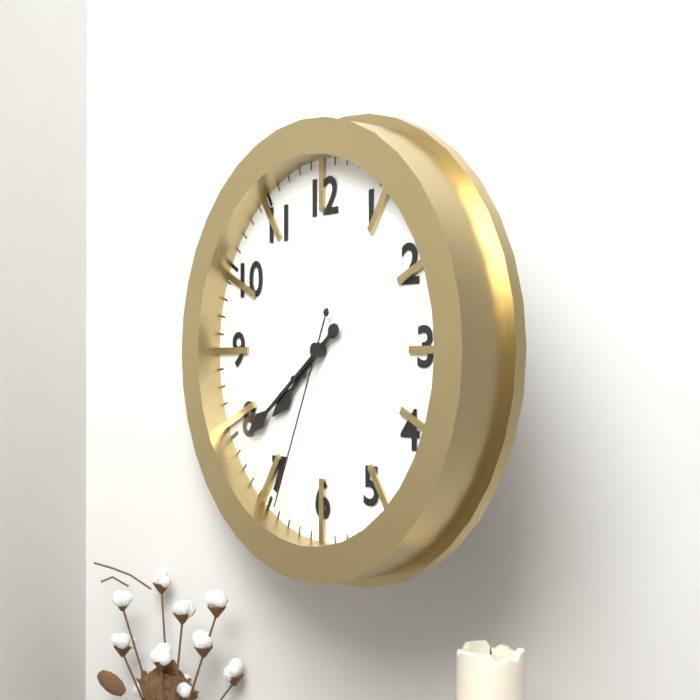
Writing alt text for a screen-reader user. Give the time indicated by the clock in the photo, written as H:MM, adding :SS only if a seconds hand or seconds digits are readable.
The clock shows 7:39:34
